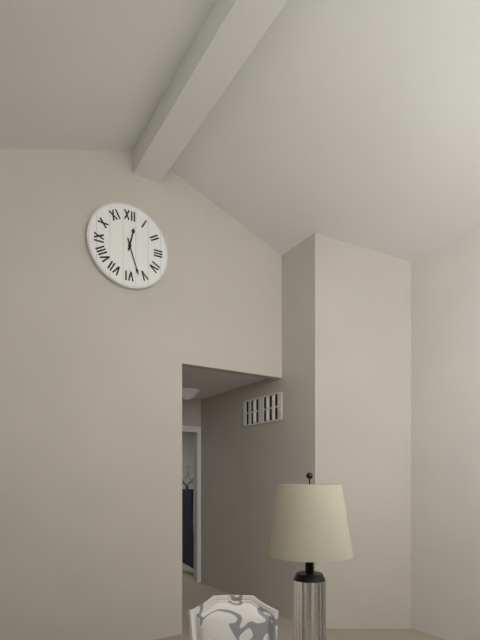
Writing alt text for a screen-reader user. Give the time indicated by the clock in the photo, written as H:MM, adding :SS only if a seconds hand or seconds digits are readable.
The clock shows 12:27
